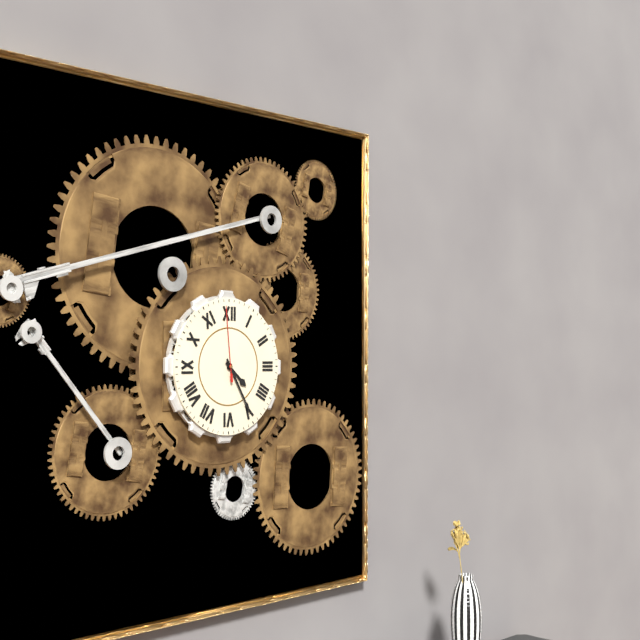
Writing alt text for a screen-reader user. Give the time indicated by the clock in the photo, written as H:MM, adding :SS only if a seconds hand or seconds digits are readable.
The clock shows 4:25:59
